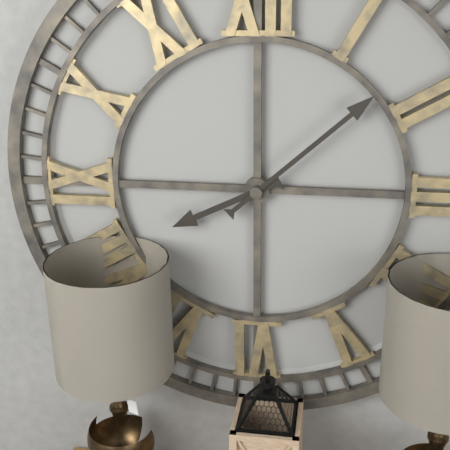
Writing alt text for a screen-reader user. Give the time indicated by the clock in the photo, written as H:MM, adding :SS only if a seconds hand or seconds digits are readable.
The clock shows 8:08
